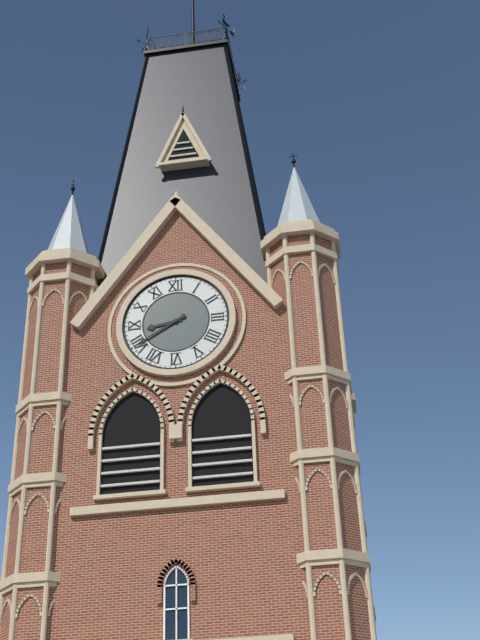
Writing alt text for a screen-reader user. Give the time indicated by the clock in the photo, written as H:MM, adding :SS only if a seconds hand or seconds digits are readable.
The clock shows 8:40
